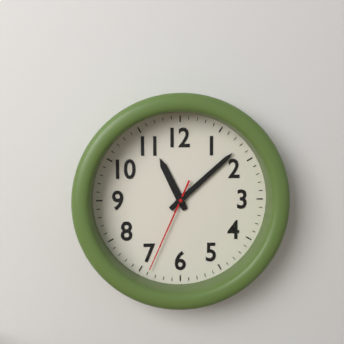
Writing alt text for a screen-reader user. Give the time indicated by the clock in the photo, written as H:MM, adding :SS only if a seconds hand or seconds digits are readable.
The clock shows 11:08:34
